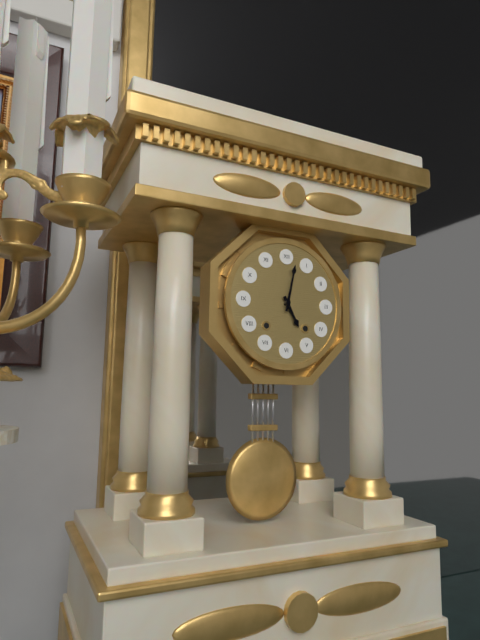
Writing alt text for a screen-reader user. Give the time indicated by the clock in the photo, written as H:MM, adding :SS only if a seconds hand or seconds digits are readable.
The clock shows 5:02
